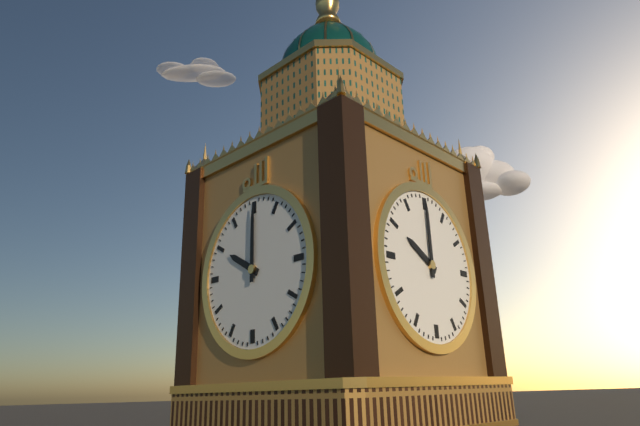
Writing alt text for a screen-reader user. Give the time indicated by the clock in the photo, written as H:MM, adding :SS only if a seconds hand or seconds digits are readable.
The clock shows 10:00
